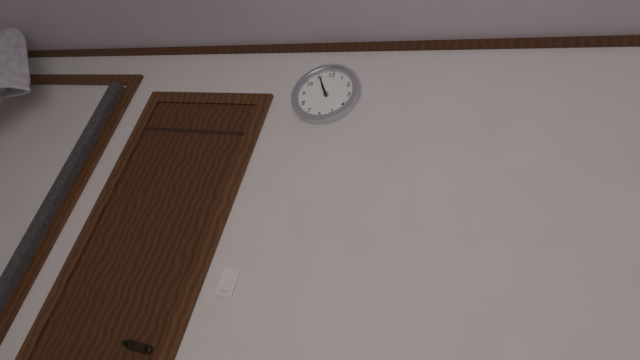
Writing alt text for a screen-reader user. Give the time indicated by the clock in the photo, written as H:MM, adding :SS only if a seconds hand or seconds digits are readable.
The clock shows 10:55
